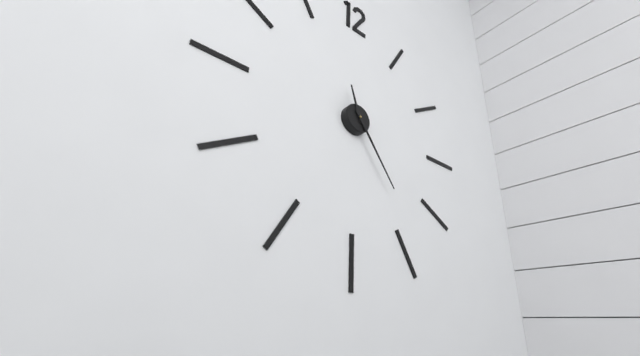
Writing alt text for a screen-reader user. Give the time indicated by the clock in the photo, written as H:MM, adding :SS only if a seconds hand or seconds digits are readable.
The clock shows 11:24
